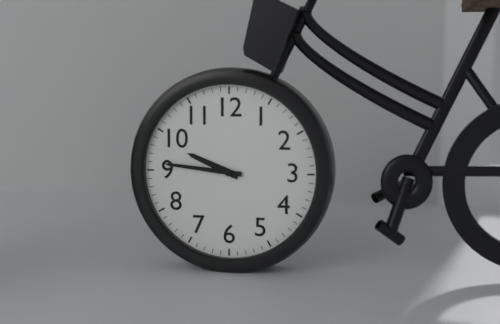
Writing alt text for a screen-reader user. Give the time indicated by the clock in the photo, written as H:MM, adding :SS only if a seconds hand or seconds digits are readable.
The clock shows 9:46
